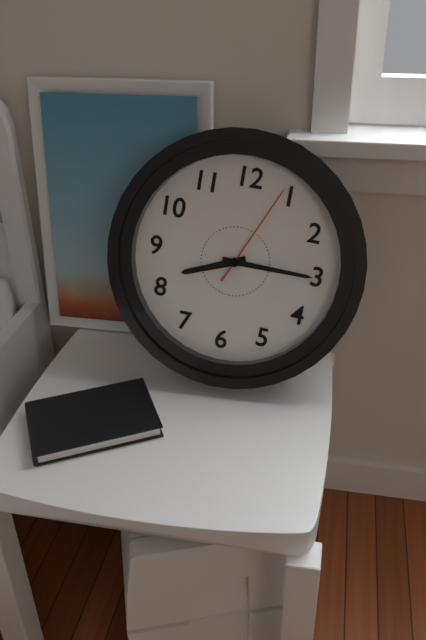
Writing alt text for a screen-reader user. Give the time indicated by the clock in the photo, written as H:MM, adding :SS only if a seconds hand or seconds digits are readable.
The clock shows 8:15:04
